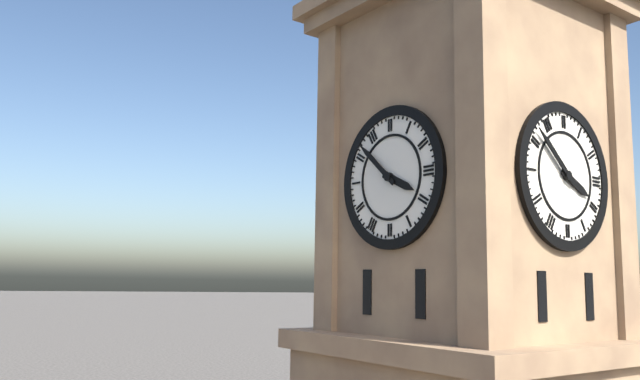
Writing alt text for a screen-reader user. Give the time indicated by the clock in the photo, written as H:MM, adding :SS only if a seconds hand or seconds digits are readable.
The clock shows 3:52
